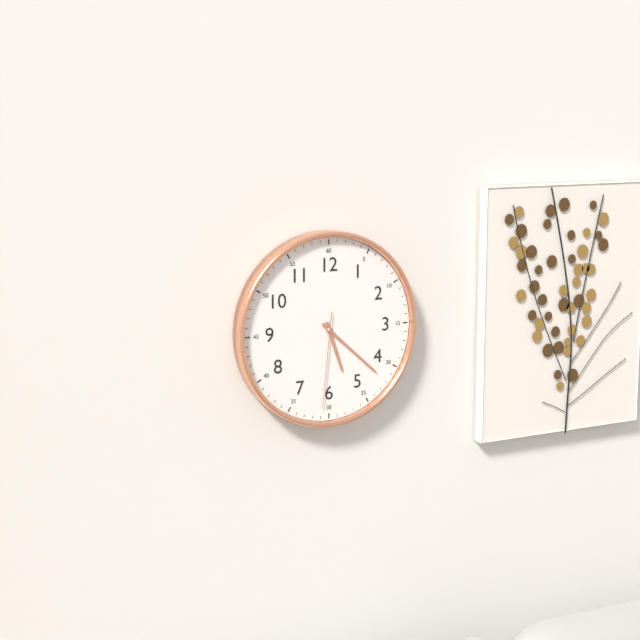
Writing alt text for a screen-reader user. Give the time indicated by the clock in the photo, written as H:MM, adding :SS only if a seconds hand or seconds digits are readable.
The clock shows 5:22:31
